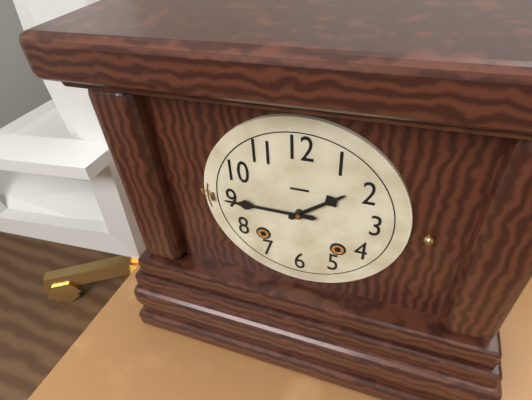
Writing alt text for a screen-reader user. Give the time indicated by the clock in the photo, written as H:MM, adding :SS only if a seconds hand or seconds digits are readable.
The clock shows 1:45
